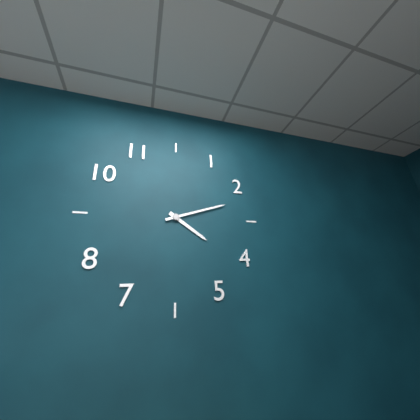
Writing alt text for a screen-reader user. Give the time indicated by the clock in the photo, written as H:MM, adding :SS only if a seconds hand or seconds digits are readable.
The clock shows 4:12
